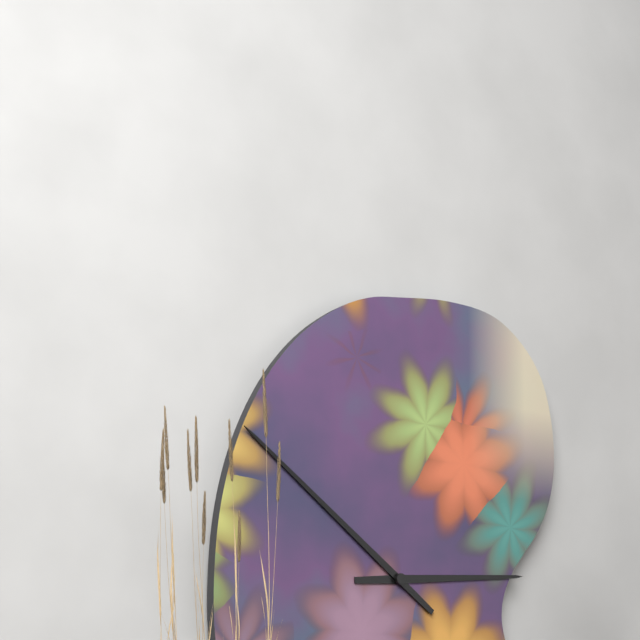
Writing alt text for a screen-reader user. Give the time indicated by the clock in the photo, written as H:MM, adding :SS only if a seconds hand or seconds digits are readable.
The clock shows 2:51
